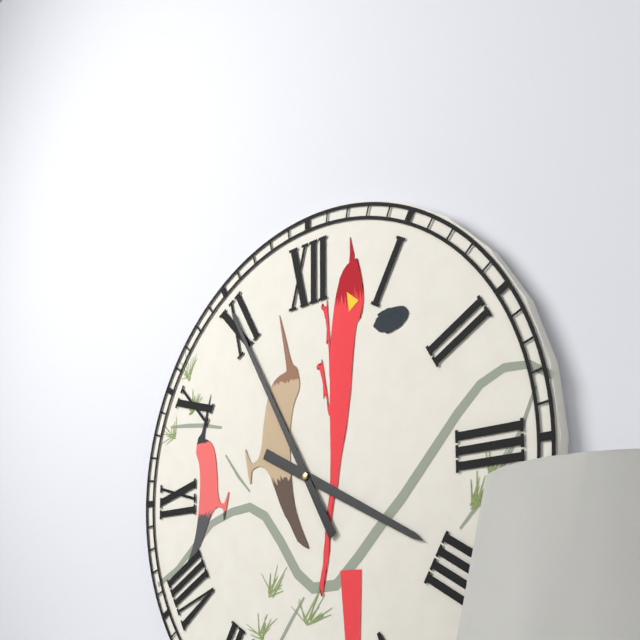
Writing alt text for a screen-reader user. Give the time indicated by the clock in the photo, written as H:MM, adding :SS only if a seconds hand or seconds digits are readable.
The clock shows 3:55
